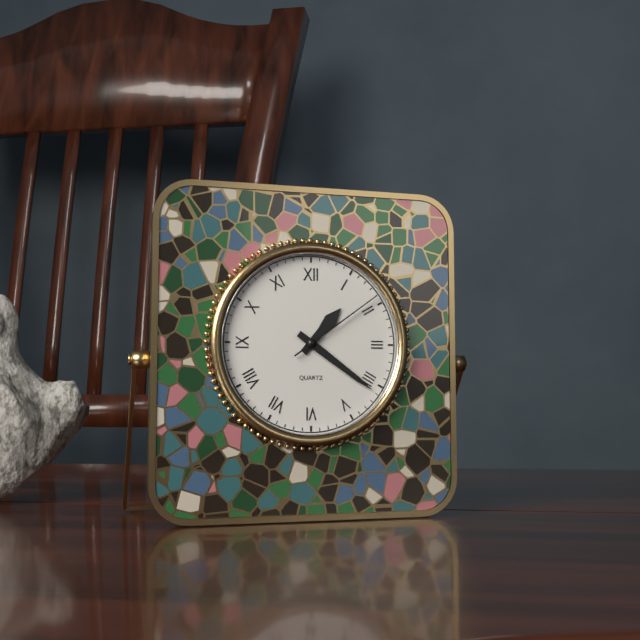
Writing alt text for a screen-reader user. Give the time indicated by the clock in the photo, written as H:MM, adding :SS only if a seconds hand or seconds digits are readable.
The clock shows 1:21:09
